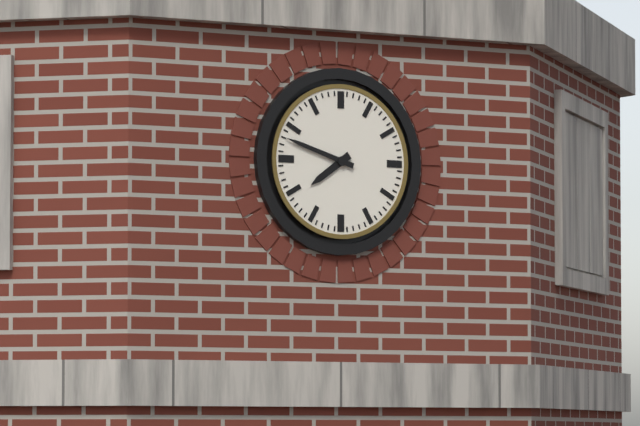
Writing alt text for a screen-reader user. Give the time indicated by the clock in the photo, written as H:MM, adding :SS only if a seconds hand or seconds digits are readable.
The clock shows 7:48
